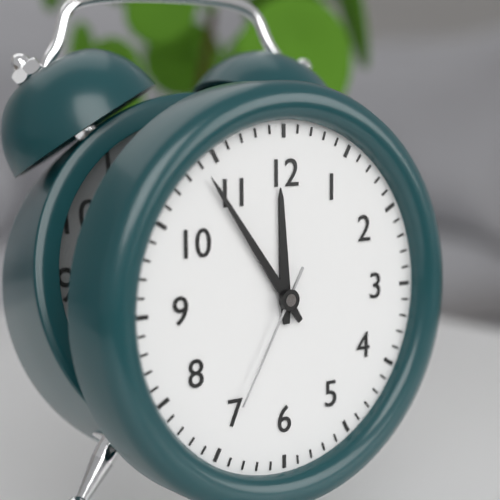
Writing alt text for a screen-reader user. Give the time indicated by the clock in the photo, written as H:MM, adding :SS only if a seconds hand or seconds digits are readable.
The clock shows 11:54:35
